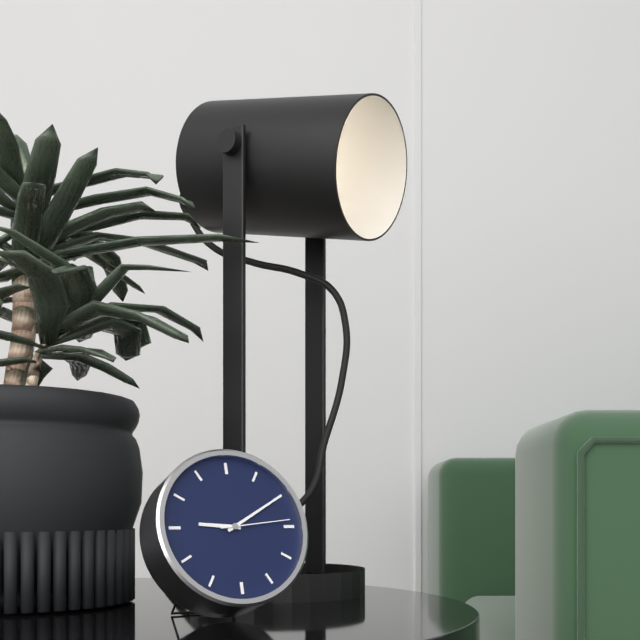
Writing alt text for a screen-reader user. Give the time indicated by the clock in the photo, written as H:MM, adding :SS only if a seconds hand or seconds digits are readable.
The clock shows 9:10:14
